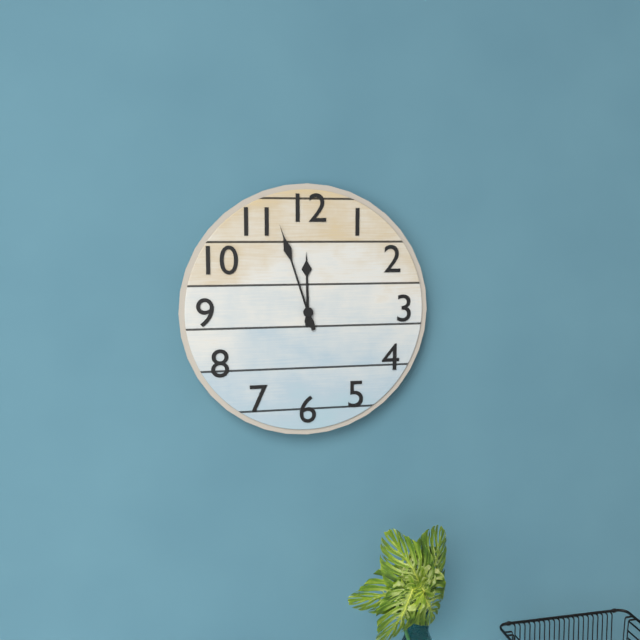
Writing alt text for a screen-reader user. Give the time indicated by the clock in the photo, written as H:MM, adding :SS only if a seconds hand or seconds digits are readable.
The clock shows 11:57
